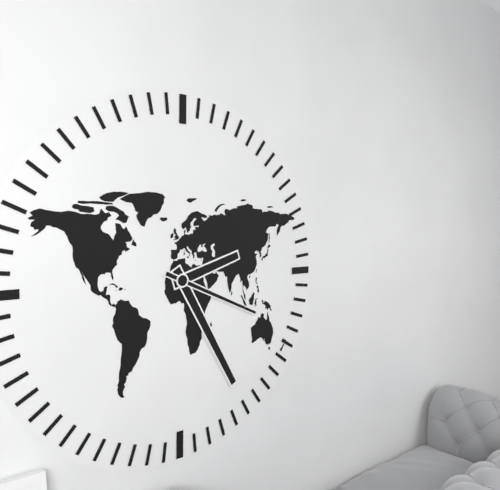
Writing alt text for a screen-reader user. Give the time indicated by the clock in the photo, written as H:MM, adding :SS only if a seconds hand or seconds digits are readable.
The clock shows 2:25:19
